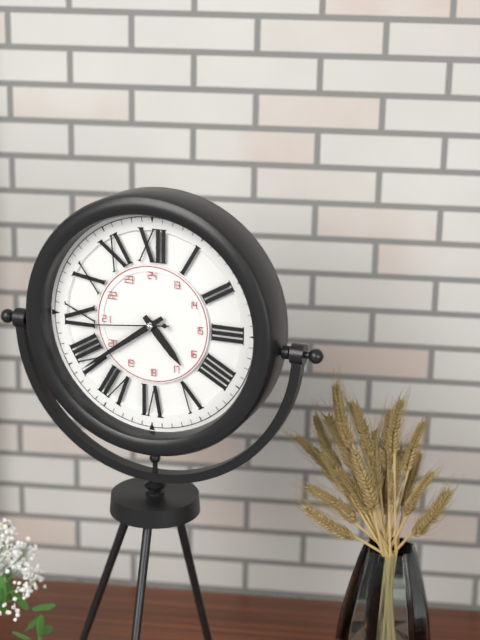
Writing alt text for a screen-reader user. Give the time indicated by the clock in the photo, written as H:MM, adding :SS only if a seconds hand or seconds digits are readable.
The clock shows 4:39:44
